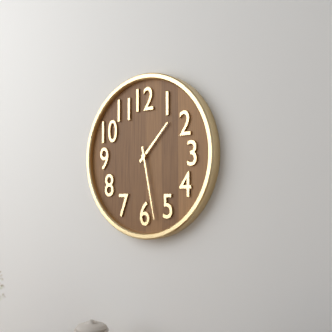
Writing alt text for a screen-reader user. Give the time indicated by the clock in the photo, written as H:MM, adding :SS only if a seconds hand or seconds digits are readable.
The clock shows 1:28
